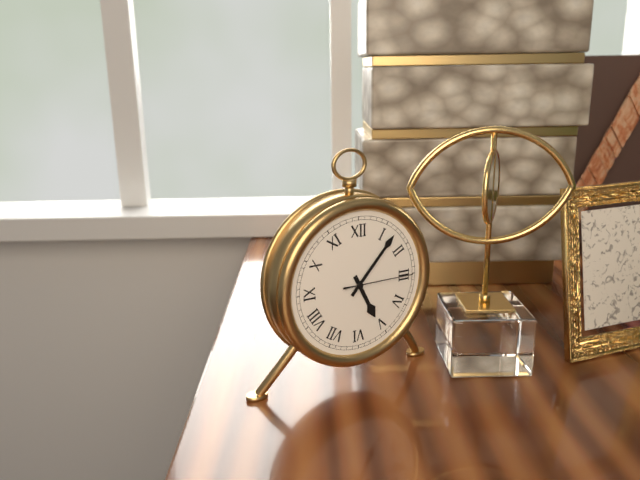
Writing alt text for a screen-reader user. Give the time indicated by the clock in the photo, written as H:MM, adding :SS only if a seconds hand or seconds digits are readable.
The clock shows 5:07:15
